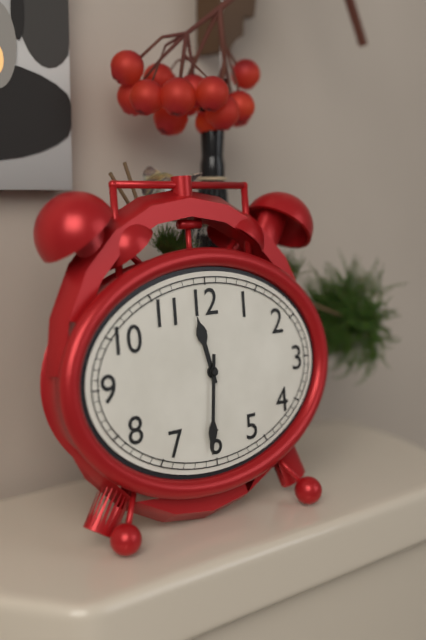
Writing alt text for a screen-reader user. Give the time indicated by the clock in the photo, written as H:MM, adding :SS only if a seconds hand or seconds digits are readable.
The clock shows 11:31
